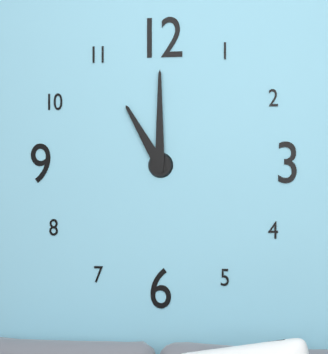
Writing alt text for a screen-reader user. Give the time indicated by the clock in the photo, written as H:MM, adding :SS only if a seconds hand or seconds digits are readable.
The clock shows 11:00
